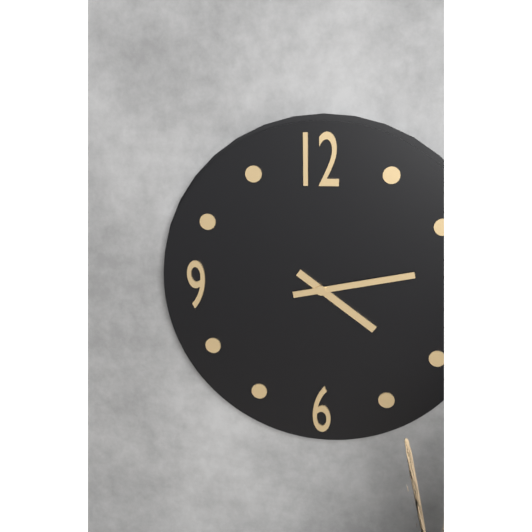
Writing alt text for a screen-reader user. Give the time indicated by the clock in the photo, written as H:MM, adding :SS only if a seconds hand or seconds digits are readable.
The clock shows 4:13
